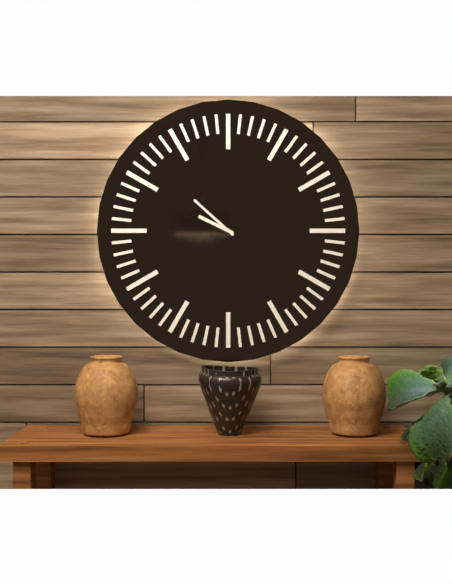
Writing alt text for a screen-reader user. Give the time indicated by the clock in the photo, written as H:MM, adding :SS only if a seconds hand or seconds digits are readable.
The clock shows 9:52
